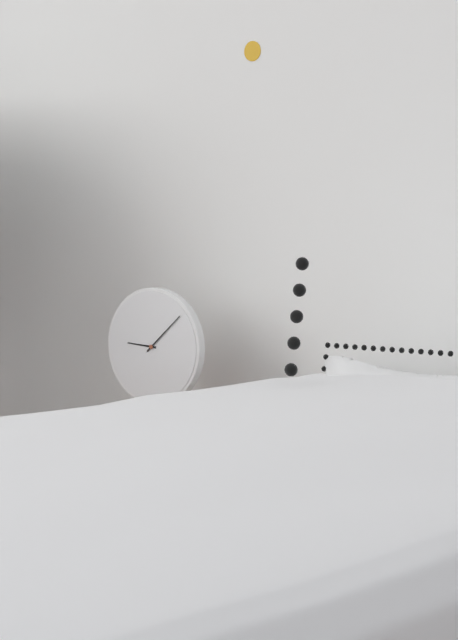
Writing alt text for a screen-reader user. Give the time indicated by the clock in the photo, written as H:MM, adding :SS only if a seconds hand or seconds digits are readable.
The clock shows 9:08
